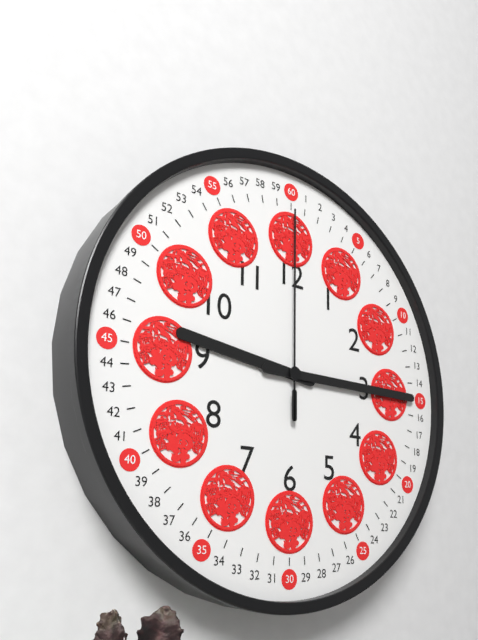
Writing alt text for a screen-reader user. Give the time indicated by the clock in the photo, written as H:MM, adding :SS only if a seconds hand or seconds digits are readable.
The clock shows 9:15:00
